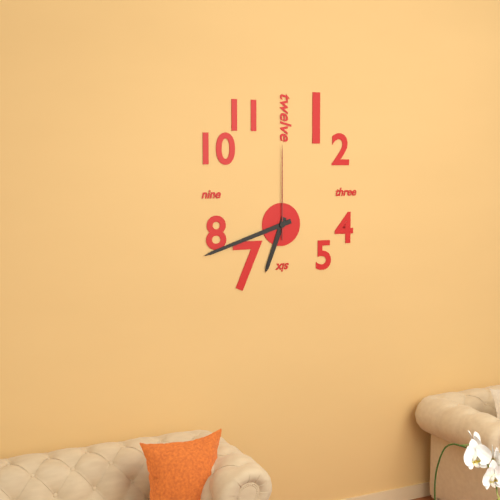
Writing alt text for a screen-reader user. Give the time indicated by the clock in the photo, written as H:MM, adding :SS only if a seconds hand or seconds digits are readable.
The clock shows 6:42:00
